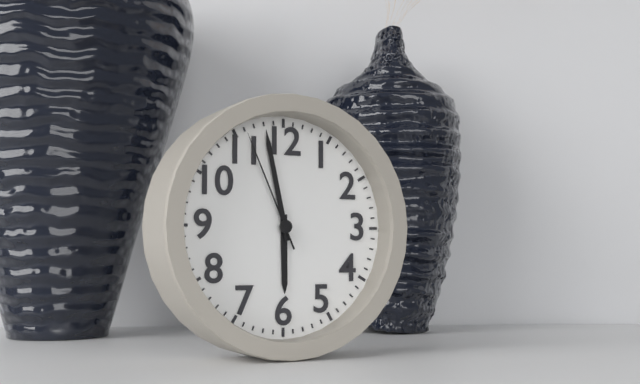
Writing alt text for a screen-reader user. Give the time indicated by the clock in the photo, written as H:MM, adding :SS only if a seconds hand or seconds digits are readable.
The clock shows 5:58:56
